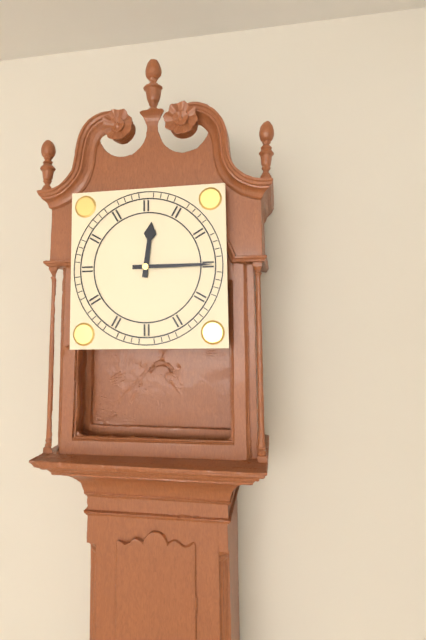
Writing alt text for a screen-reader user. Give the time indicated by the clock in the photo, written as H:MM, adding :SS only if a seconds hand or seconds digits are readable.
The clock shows 12:15
